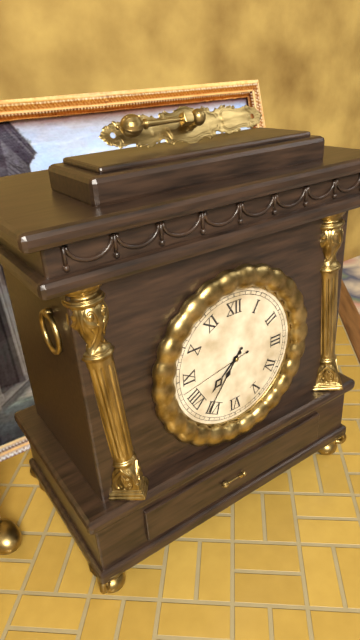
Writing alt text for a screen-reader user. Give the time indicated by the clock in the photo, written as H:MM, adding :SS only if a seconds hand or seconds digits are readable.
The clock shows 7:36:43
